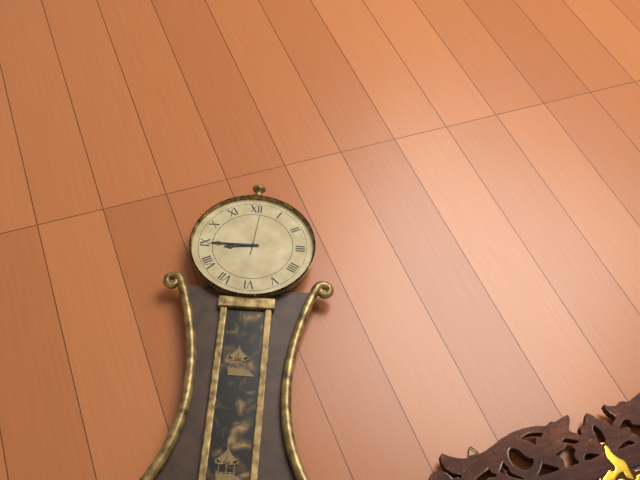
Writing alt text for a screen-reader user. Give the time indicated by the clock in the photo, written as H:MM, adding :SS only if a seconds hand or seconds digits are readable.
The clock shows 8:45
